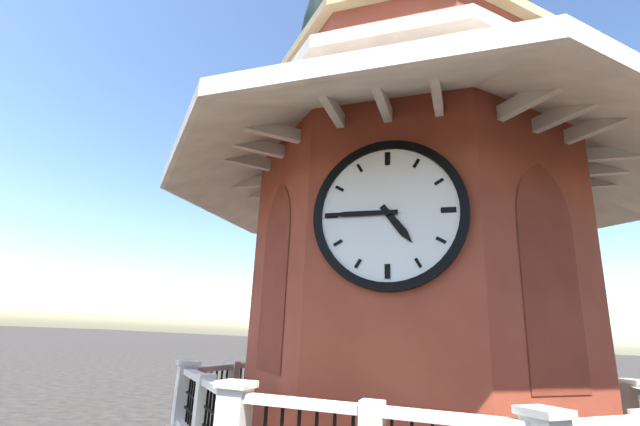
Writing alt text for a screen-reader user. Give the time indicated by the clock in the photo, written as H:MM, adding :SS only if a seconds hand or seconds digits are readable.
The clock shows 4:45
